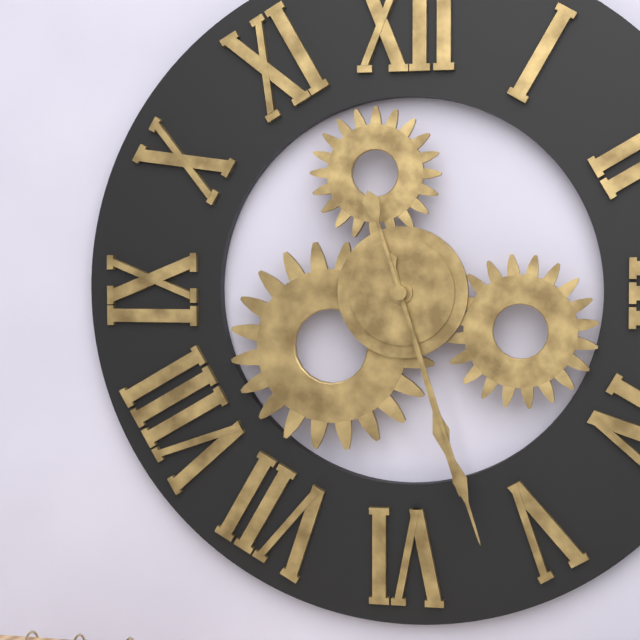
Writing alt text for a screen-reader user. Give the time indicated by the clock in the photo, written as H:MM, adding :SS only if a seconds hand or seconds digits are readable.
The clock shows 5:27
